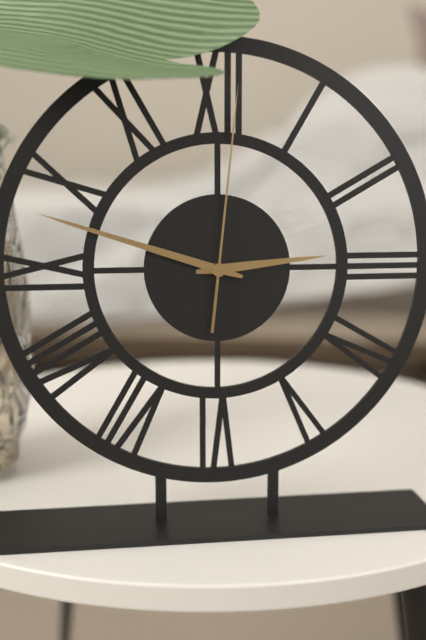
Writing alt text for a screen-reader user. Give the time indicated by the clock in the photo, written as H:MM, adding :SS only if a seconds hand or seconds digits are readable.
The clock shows 2:48:01
